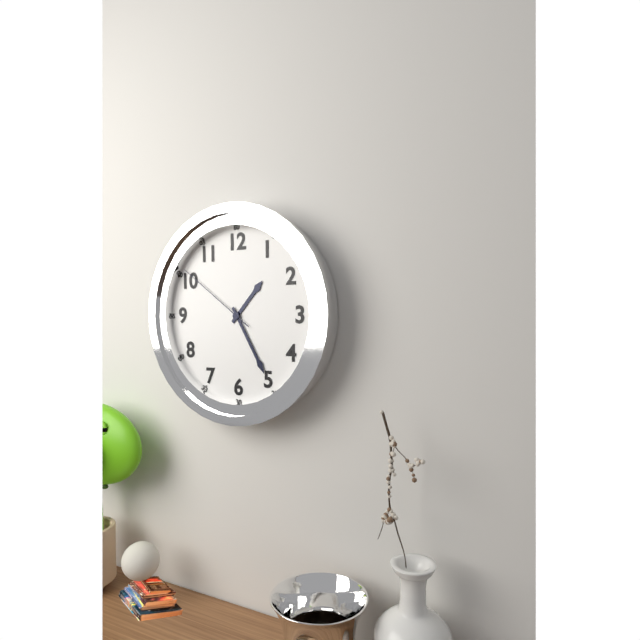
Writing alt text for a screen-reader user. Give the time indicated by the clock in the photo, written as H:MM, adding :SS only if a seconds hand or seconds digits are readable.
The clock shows 1:25:51
